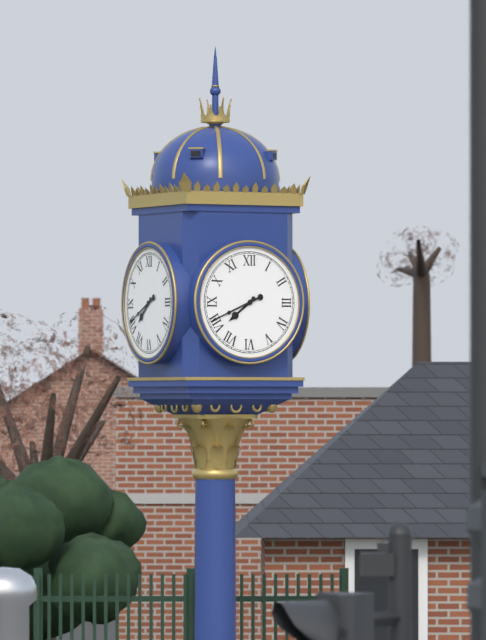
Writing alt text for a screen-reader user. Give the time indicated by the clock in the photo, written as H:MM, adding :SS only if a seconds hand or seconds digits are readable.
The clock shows 7:41
